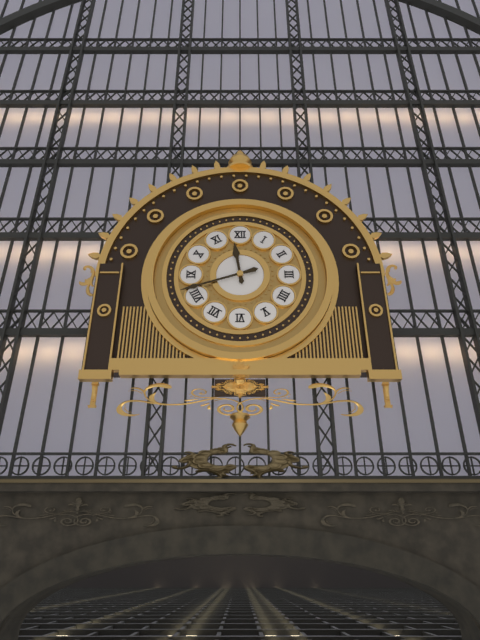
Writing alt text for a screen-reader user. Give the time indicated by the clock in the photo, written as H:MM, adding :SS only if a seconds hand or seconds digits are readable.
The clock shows 11:42
